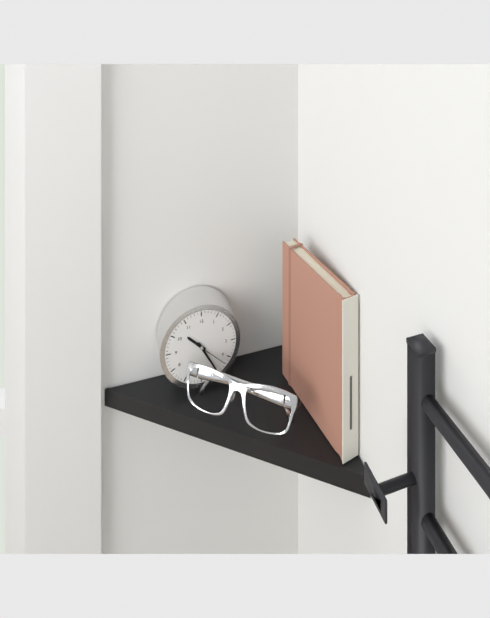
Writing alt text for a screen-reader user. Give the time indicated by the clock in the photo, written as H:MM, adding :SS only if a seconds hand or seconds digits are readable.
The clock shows 10:25
